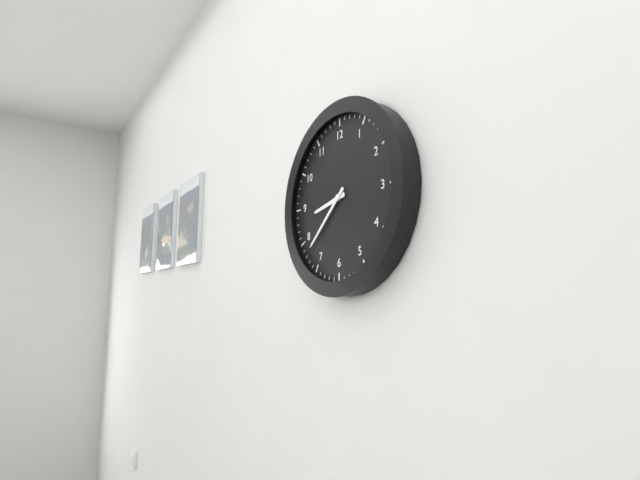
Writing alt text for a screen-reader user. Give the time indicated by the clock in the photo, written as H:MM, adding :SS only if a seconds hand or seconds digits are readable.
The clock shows 8:38
